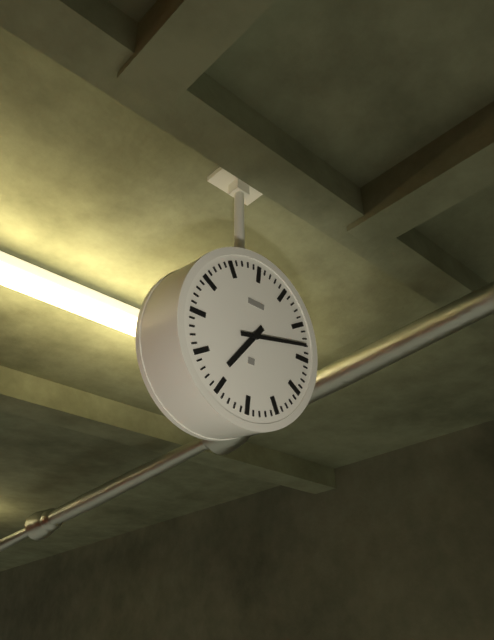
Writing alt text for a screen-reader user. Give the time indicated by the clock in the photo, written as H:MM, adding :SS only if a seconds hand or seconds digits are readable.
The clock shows 7:13
